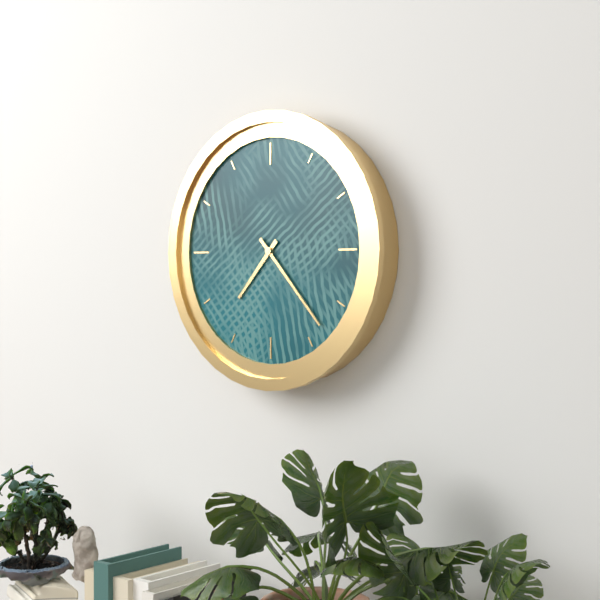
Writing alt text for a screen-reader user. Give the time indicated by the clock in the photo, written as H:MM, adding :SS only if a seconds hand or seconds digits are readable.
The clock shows 7:23
